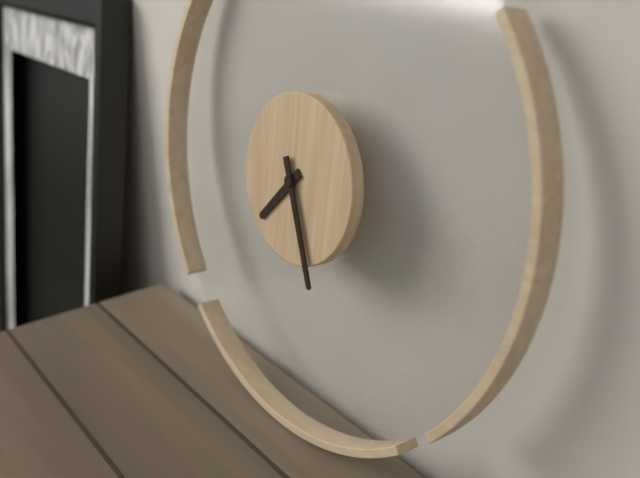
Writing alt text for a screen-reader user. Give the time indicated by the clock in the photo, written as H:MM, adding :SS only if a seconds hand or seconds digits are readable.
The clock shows 7:26
